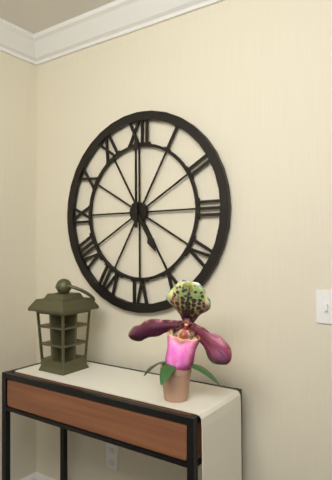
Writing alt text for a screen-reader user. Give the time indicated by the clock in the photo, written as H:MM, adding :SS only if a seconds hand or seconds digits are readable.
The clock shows 5:00
